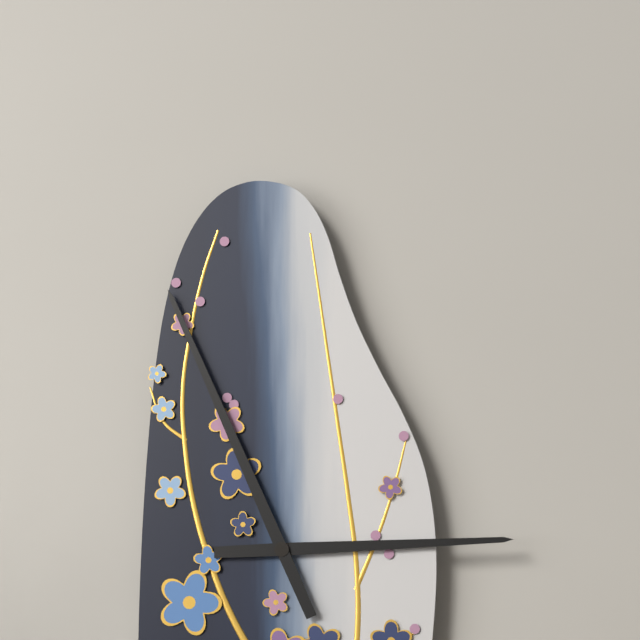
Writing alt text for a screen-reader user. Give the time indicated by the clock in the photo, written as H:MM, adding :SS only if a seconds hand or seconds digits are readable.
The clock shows 2:56
